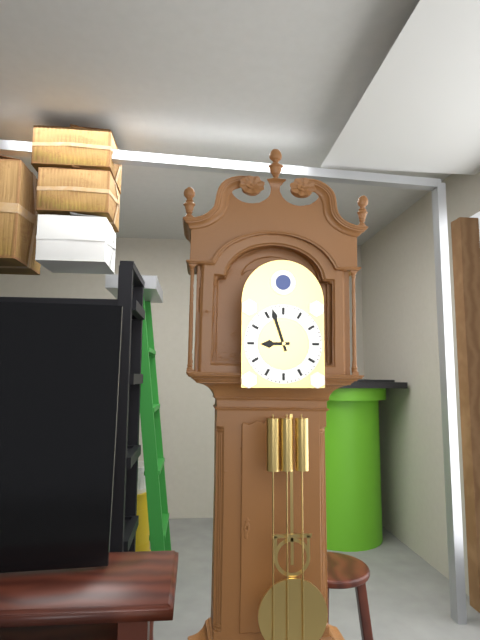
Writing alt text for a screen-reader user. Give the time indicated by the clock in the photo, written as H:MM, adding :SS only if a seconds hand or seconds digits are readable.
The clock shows 8:57
